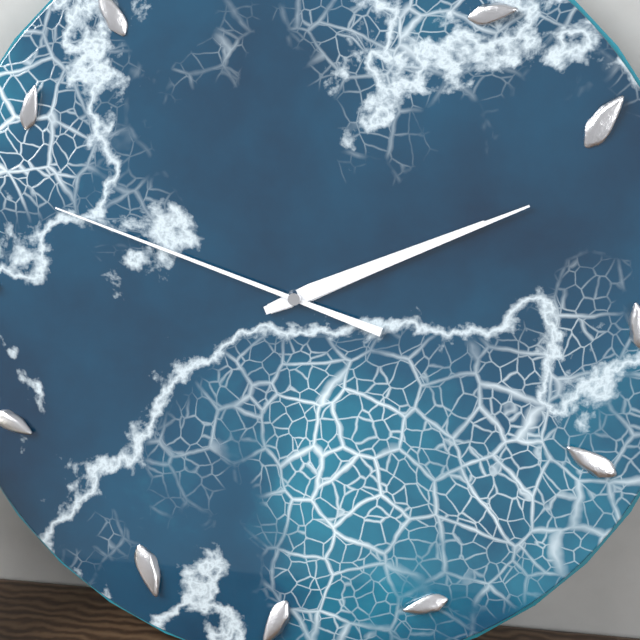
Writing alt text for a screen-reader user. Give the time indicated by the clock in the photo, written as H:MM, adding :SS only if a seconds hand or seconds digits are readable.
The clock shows 2:11:48
